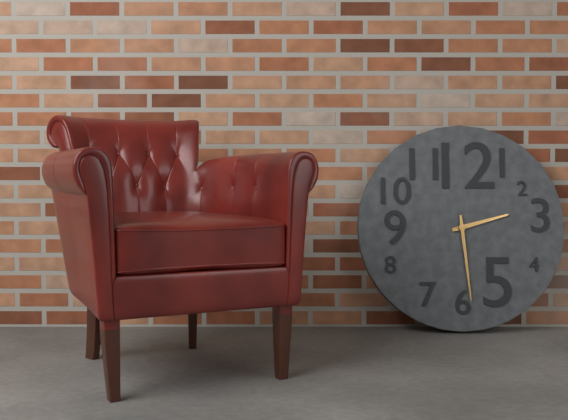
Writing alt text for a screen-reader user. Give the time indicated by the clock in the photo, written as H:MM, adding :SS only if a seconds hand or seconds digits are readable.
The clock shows 2:29
